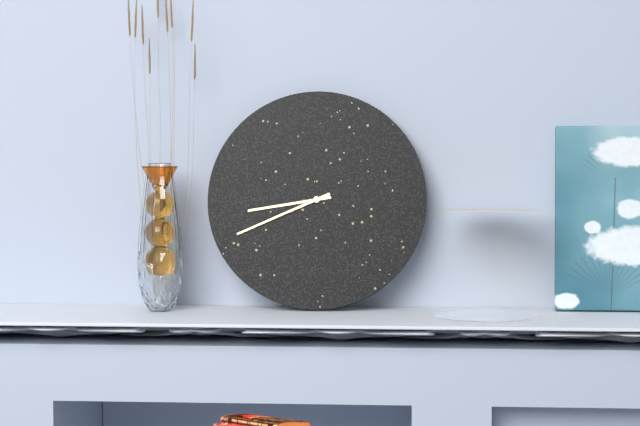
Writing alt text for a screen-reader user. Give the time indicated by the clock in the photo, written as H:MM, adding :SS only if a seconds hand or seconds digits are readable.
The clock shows 8:41
